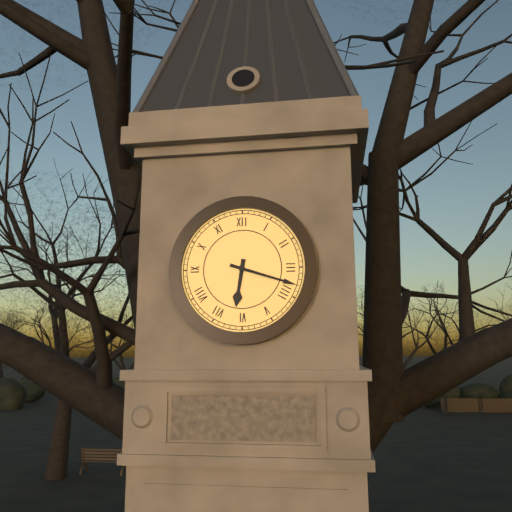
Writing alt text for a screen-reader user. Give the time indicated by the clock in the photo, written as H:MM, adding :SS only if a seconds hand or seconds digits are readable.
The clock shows 6:18
